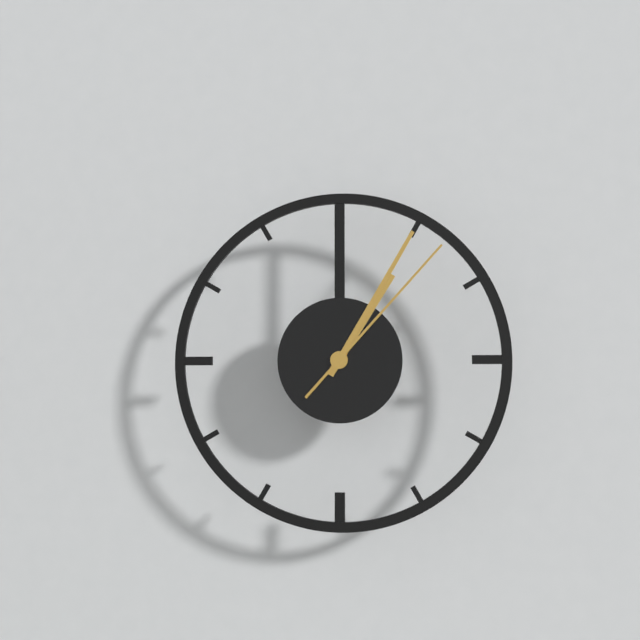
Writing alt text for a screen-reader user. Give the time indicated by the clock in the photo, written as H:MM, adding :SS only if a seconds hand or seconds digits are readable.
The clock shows 1:05:07
